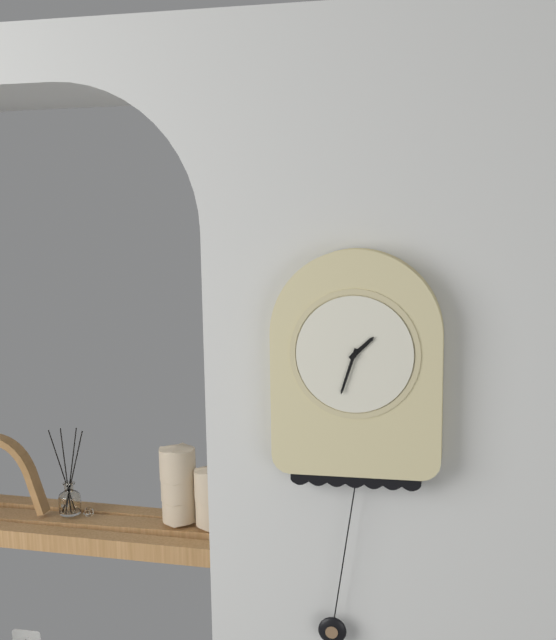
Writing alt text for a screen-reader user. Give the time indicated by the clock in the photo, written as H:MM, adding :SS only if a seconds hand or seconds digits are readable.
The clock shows 1:33
